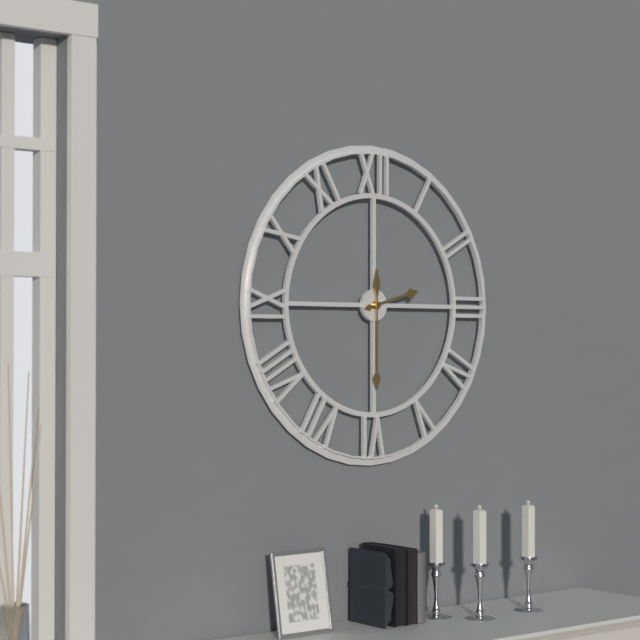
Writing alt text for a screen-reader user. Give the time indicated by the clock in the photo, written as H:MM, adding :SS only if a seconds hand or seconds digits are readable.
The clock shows 2:30
